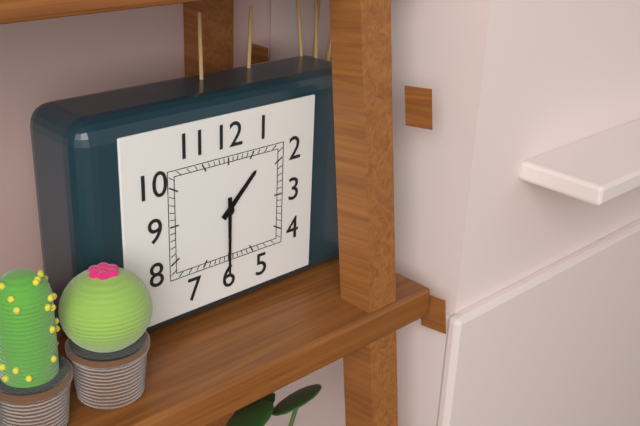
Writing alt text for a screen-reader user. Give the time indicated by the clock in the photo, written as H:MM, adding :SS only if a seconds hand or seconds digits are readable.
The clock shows 1:30
